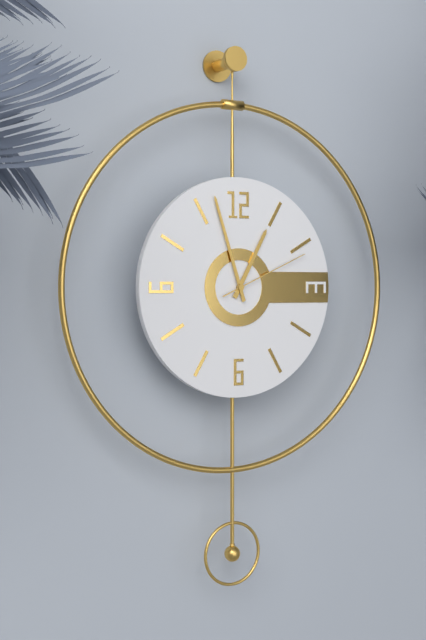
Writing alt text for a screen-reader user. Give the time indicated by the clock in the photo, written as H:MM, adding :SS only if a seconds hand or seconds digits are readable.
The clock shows 12:57:11
